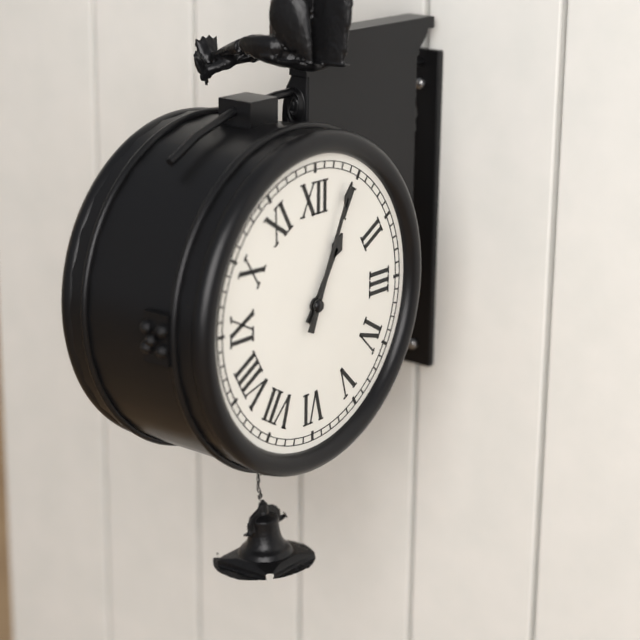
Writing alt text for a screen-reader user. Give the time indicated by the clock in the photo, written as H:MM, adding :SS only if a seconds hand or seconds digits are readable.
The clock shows 1:04
